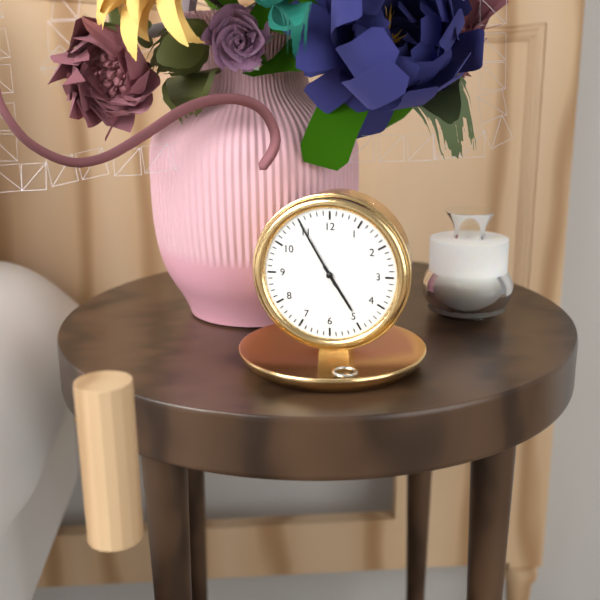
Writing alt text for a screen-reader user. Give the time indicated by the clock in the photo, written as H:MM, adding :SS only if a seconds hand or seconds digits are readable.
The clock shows 4:55
